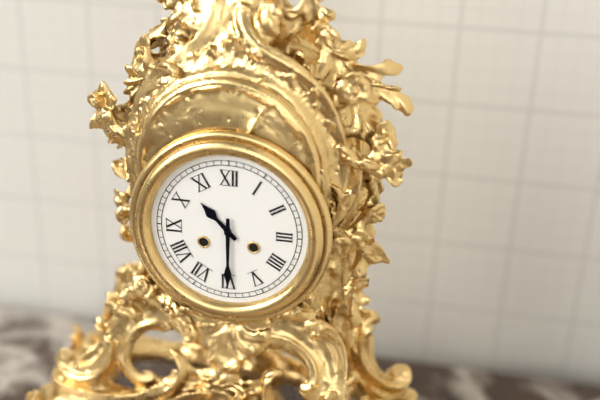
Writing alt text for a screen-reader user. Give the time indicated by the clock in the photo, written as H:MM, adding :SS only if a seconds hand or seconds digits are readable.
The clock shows 10:30
